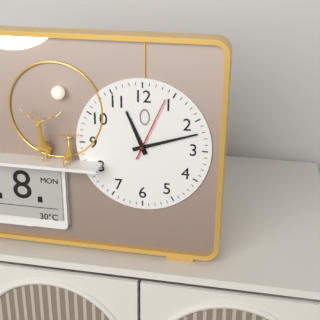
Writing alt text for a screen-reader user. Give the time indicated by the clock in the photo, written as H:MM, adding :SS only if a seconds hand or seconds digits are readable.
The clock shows 11:12:04
